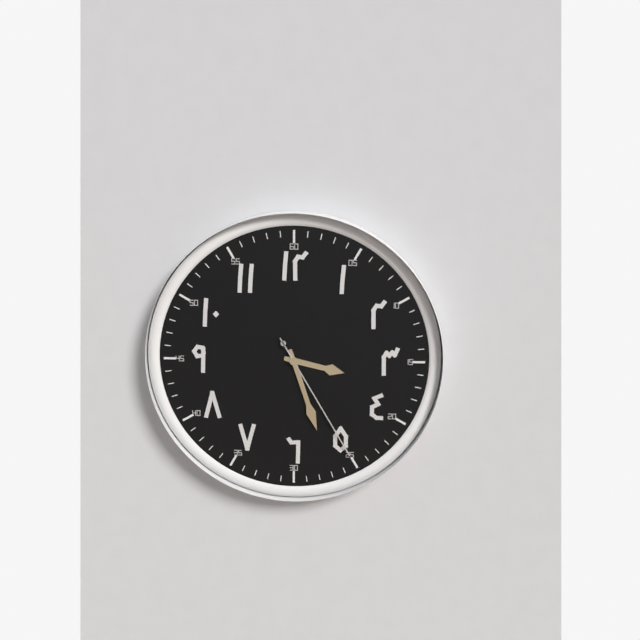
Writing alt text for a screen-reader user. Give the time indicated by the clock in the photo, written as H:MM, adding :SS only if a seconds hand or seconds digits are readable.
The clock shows 3:27:25
